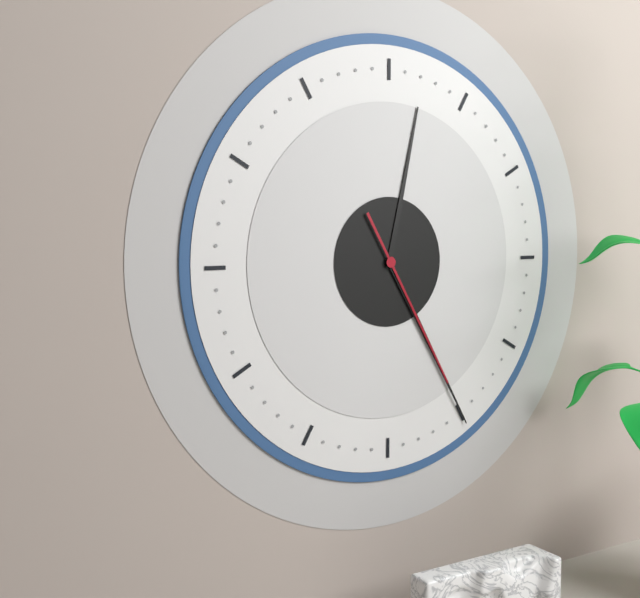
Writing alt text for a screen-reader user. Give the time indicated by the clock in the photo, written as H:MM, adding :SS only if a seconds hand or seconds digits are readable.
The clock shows 12:25:25
